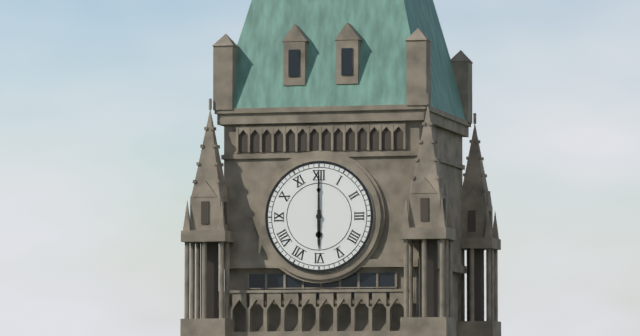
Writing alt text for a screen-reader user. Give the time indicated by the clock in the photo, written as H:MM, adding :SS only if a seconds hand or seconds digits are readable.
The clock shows 6:00
